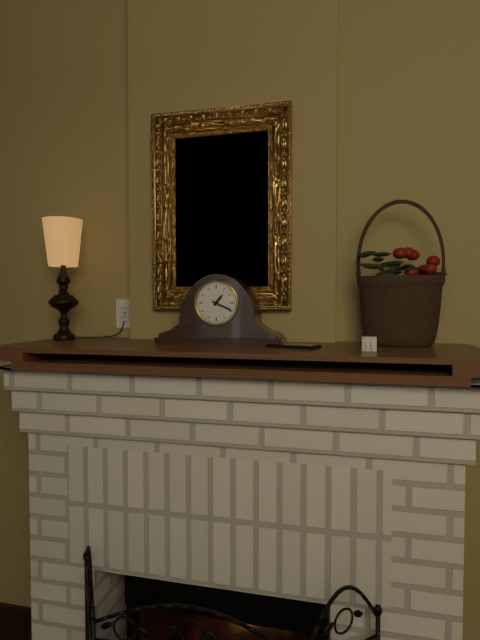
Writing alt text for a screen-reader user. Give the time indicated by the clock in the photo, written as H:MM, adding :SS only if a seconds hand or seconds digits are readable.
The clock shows 1:19
